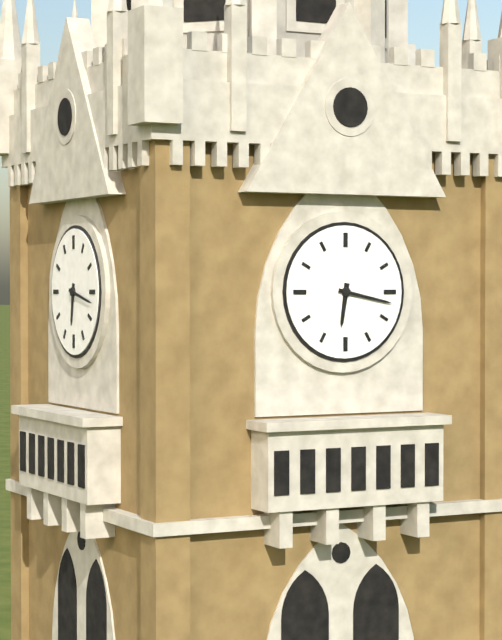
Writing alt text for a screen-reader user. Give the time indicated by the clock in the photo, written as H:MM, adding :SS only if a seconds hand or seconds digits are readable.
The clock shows 6:17
